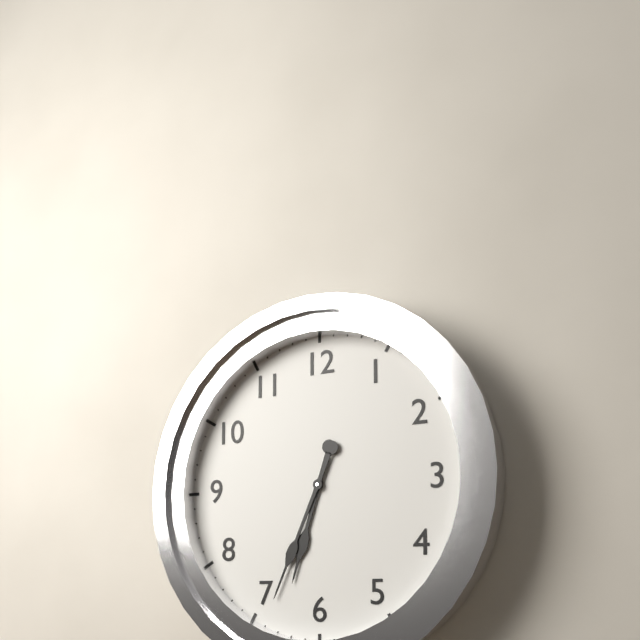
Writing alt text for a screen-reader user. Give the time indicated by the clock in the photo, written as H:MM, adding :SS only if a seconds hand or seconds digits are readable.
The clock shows 6:34
